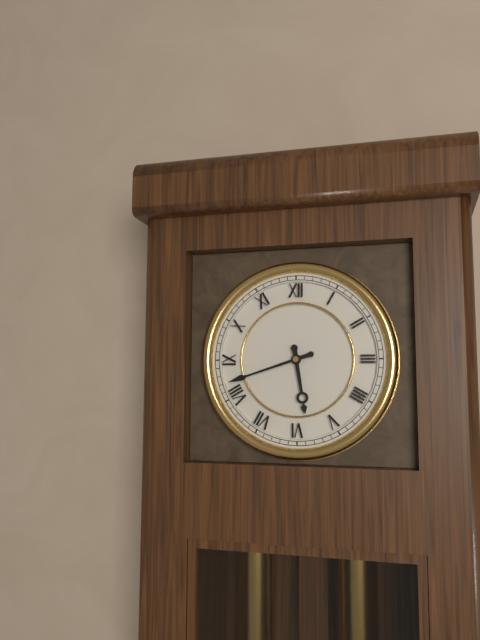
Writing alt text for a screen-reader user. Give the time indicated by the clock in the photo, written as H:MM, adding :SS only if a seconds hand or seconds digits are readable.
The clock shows 5:42
